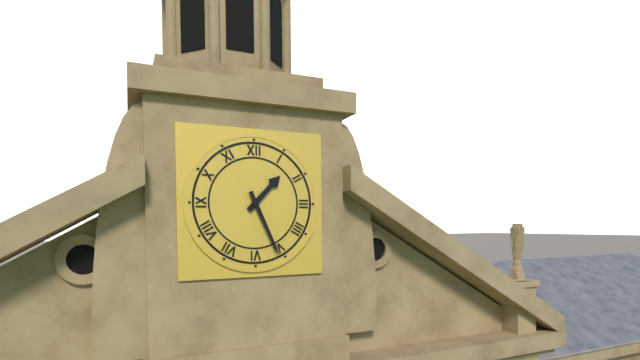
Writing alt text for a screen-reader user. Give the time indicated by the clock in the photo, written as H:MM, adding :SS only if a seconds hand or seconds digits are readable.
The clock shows 1:26
